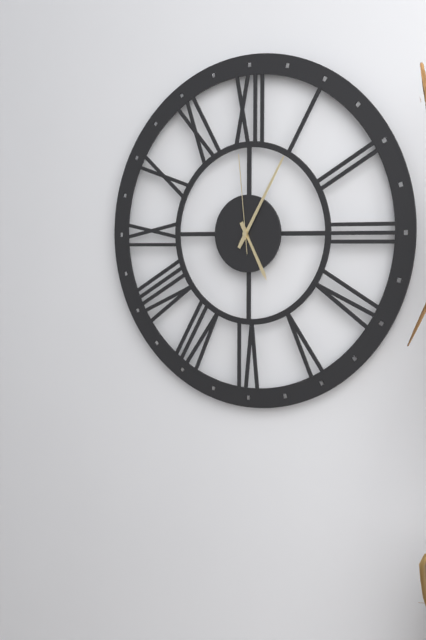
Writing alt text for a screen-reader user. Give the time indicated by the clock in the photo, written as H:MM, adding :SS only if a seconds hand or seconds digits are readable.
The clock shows 5:05:59
